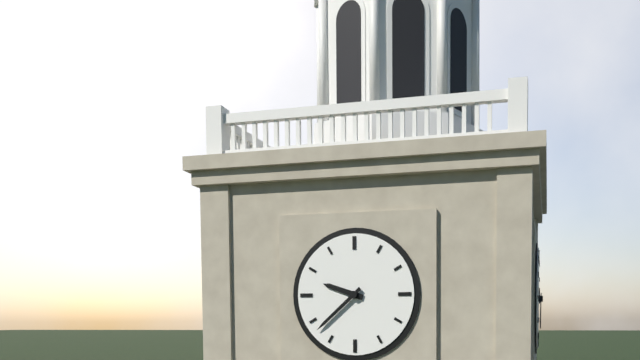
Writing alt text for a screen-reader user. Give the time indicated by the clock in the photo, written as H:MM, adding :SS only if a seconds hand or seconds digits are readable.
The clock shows 9:38
